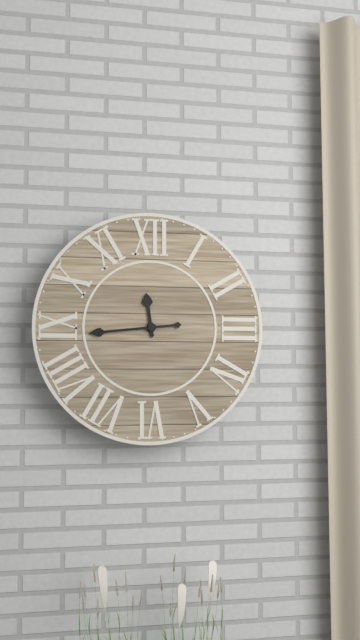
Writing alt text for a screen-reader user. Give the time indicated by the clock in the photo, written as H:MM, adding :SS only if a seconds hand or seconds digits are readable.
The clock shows 11:44
